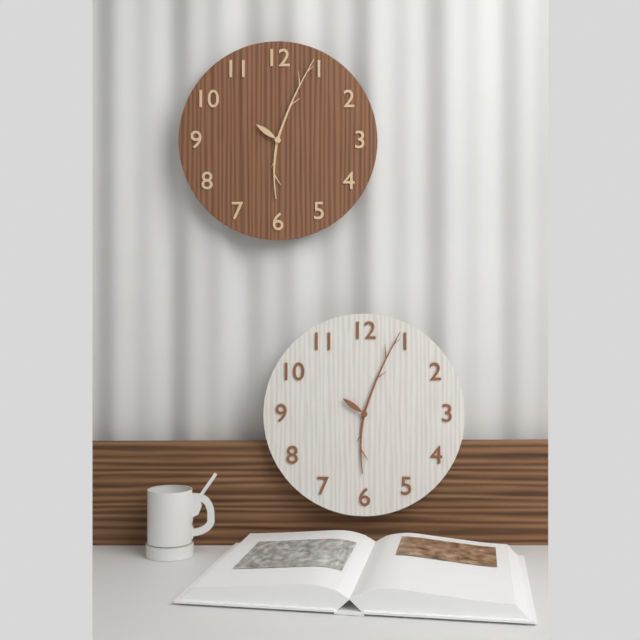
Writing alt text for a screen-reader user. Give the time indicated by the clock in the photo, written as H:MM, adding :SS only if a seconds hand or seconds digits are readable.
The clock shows 6:04
